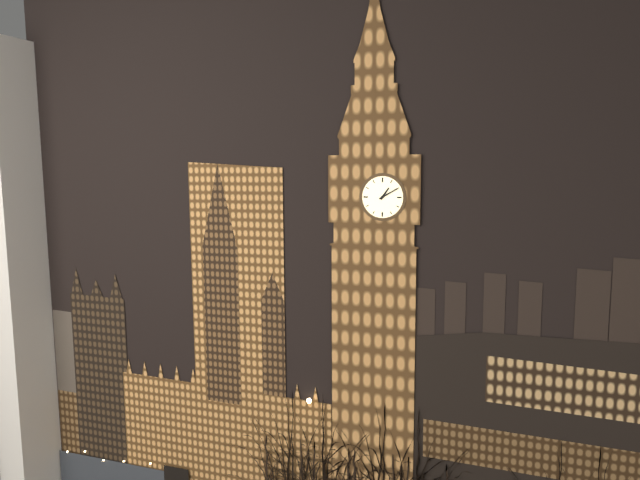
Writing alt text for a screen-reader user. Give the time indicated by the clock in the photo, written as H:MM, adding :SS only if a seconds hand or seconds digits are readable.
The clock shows 1:10
